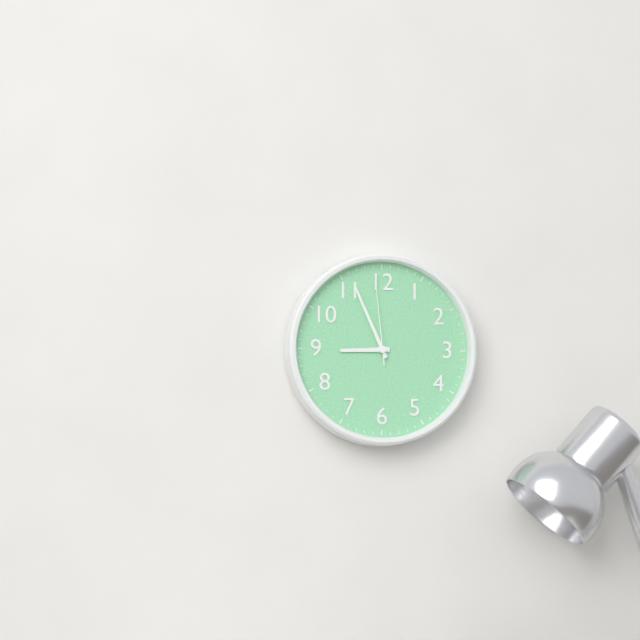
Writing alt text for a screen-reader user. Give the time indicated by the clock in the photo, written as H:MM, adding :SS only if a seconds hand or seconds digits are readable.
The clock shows 8:56:59
